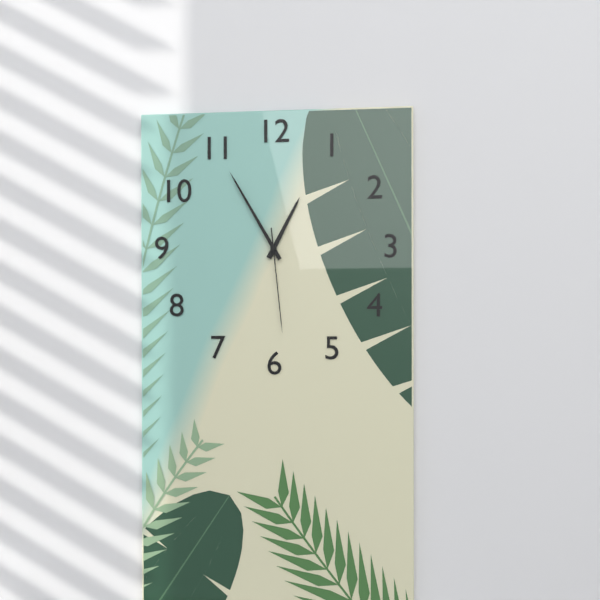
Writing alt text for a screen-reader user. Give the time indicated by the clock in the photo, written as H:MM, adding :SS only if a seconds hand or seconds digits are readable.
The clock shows 12:55:29
